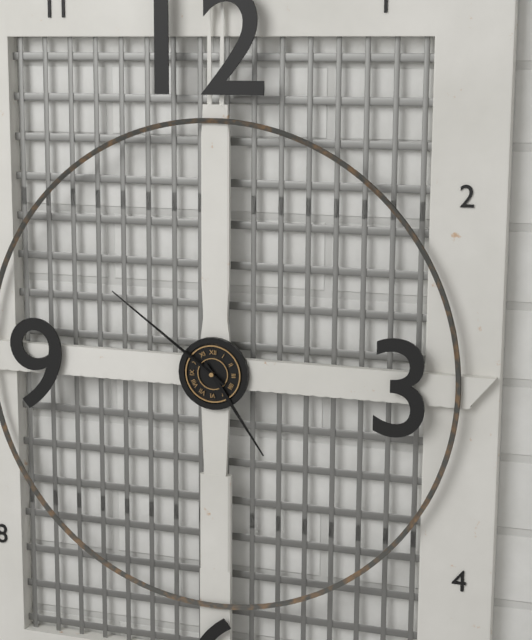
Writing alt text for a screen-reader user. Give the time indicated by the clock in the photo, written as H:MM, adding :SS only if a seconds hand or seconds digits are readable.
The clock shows 4:51:51
